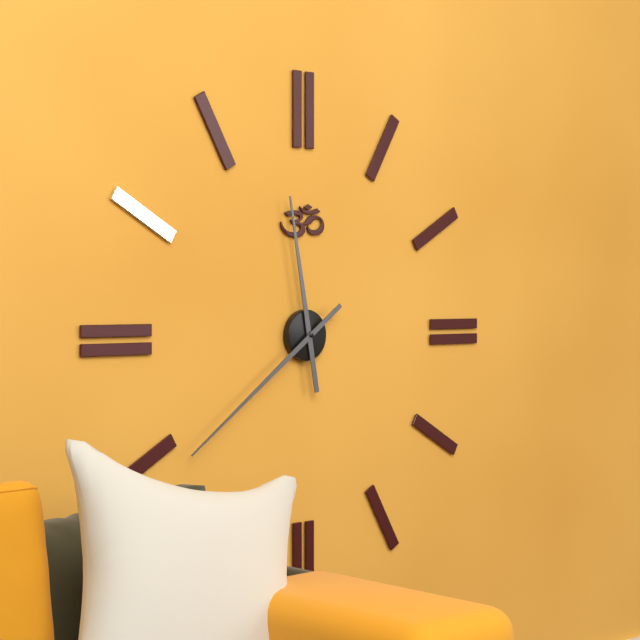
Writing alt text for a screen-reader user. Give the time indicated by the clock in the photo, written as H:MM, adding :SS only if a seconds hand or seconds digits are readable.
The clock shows 11:39
